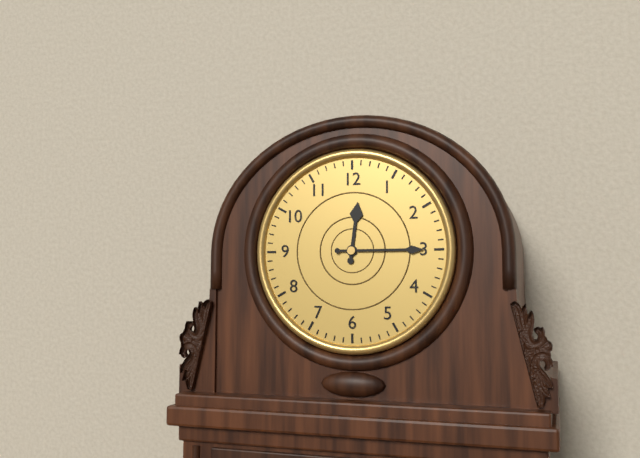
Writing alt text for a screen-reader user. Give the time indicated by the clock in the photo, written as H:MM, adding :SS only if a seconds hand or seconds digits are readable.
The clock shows 12:15
